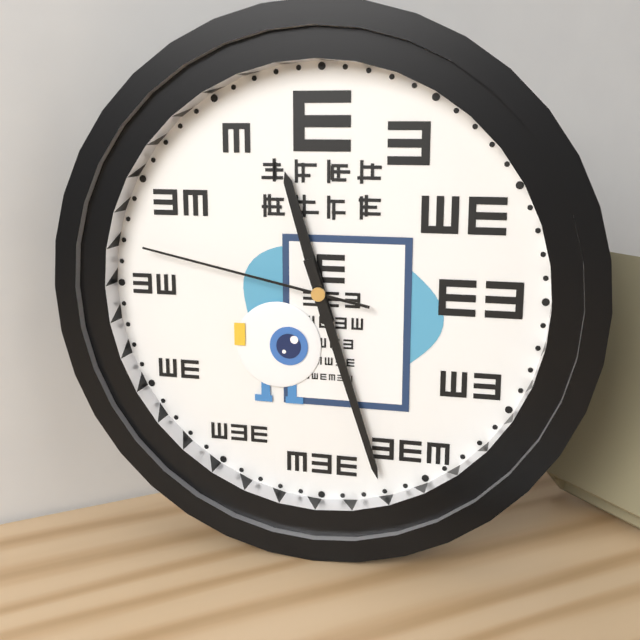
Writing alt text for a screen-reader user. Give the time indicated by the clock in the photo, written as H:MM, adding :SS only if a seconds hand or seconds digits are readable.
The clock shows 11:27:47
